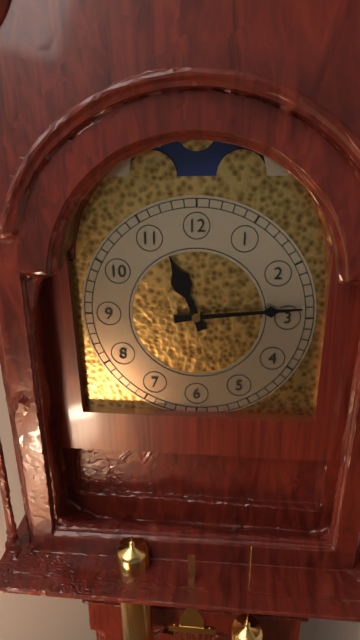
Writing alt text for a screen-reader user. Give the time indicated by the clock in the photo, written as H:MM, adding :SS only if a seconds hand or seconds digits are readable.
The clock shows 11:14
